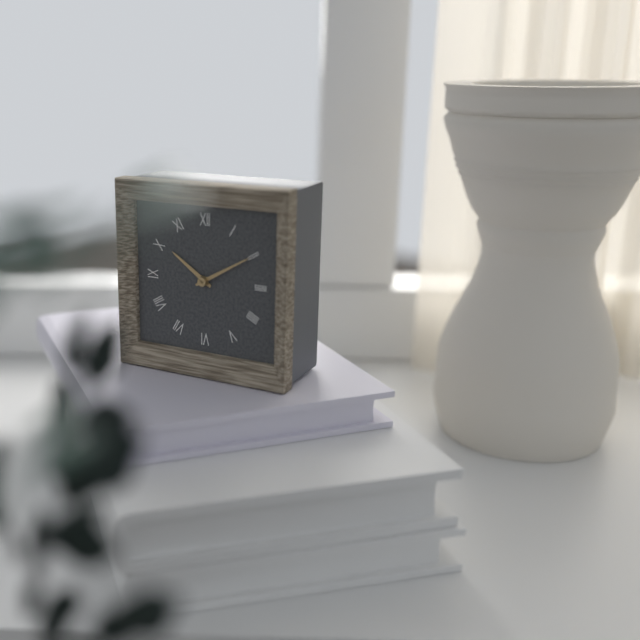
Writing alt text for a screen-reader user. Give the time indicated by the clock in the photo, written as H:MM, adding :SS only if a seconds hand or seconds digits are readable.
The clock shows 10:10
